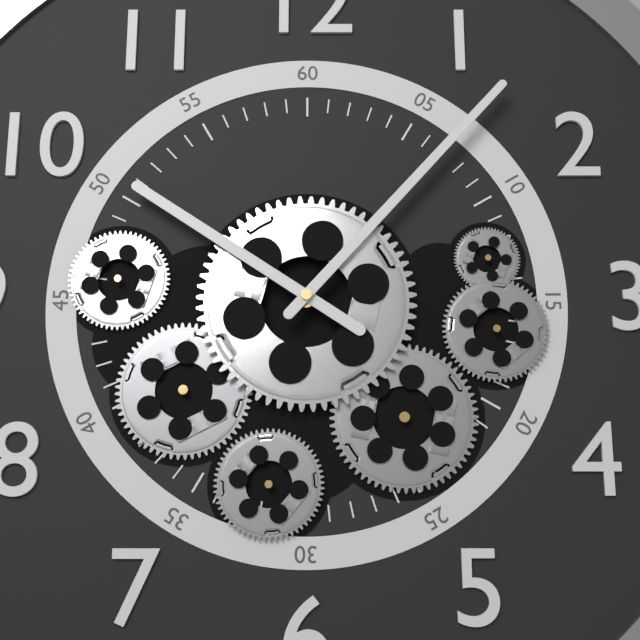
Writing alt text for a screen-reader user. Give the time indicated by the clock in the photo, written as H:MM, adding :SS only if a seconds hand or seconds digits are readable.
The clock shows 10:07
